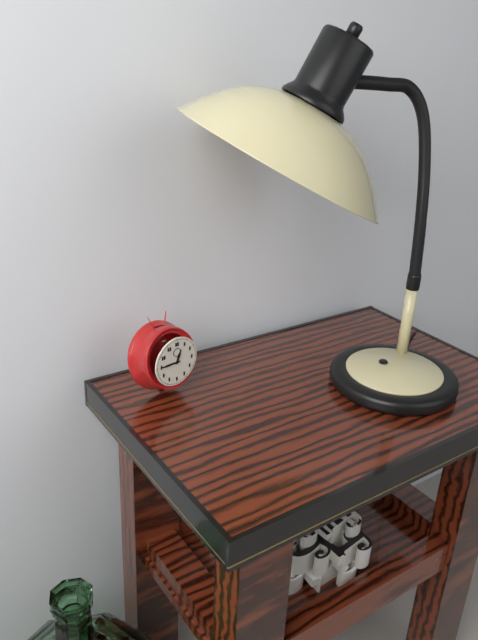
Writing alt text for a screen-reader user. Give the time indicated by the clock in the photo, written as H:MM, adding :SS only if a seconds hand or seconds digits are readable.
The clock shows 12:45
